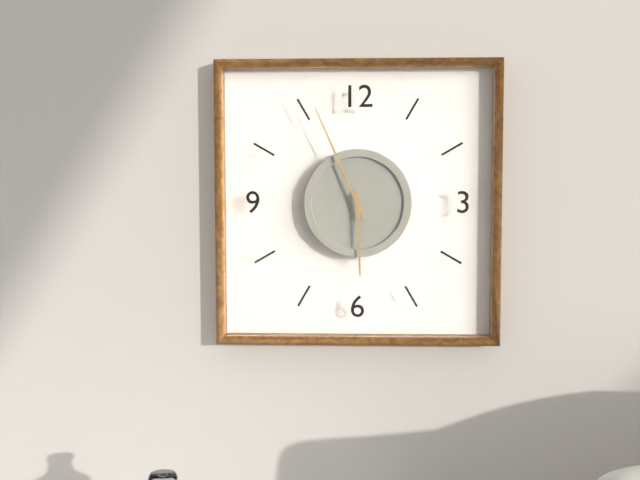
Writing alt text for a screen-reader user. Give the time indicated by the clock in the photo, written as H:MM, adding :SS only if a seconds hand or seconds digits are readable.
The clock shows 5:56
